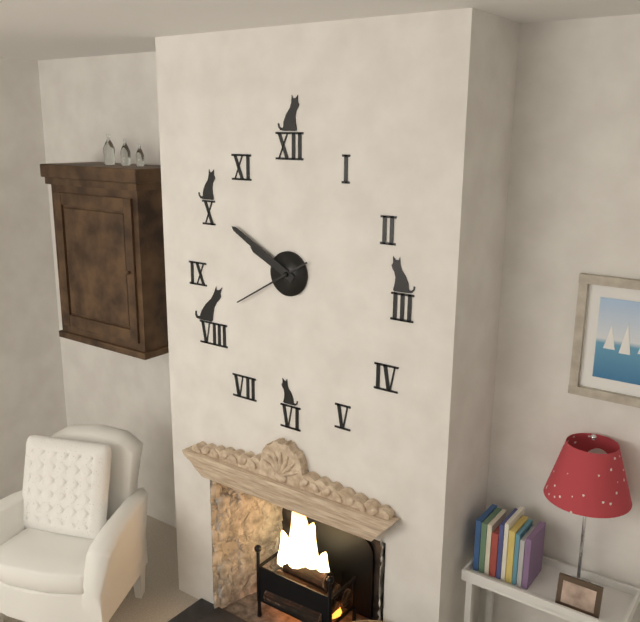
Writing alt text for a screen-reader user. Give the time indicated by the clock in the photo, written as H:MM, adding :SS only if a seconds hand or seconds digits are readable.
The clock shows 9:50:40
